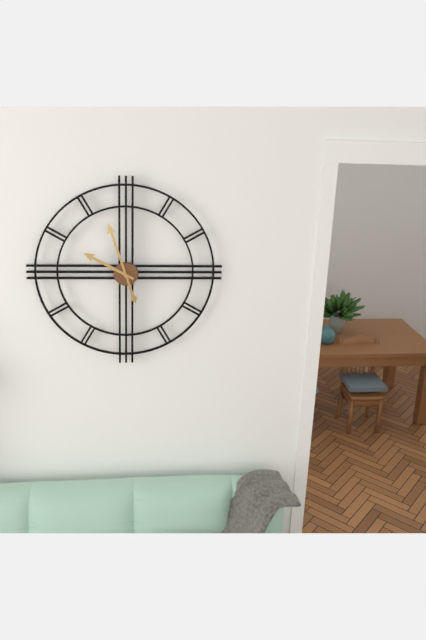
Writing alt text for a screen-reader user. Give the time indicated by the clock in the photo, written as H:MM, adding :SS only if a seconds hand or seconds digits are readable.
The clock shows 9:57
